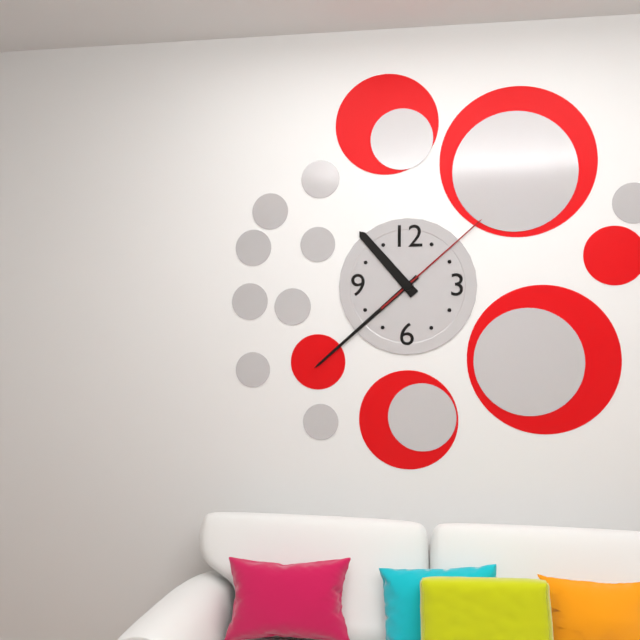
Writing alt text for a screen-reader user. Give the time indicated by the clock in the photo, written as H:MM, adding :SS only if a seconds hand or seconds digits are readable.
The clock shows 10:38:08
